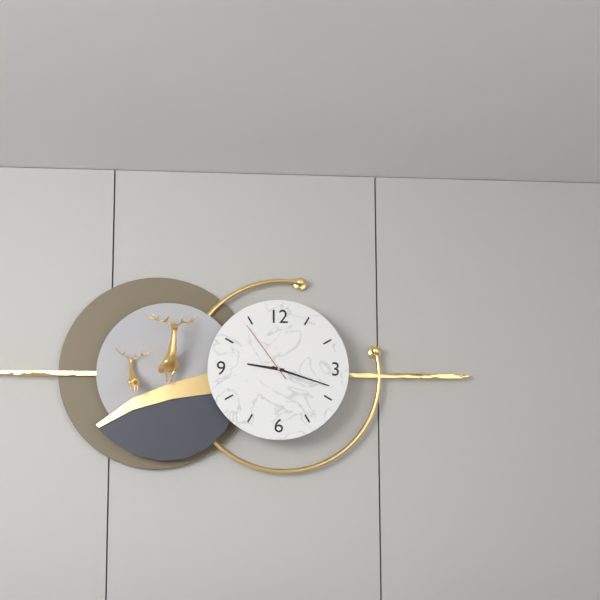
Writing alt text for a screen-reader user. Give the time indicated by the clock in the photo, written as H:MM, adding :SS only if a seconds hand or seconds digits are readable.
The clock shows 9:18:54
